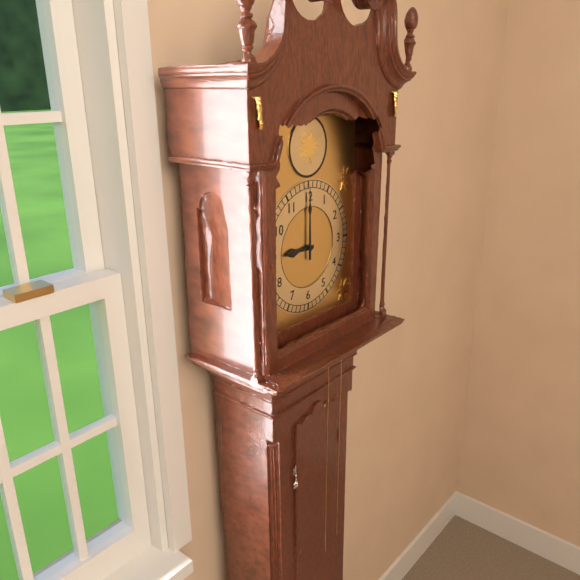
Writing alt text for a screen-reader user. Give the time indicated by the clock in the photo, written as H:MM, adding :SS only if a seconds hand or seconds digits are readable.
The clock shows 9:00
